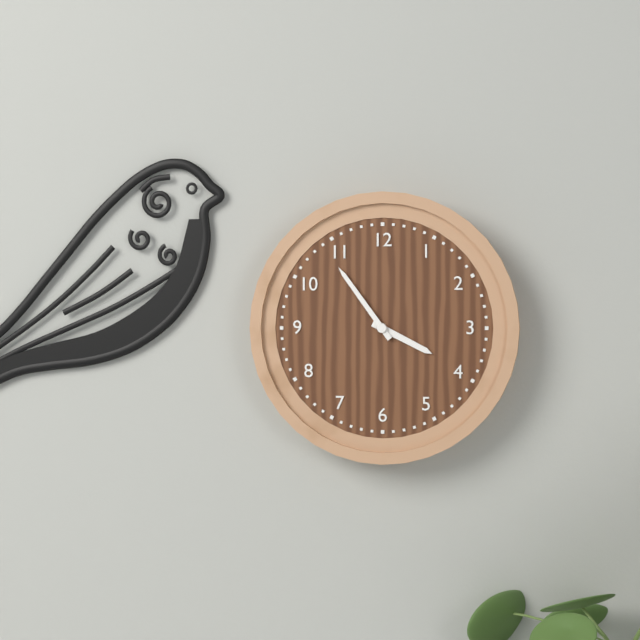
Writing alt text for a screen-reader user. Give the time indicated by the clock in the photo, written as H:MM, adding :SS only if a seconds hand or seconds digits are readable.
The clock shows 3:54
